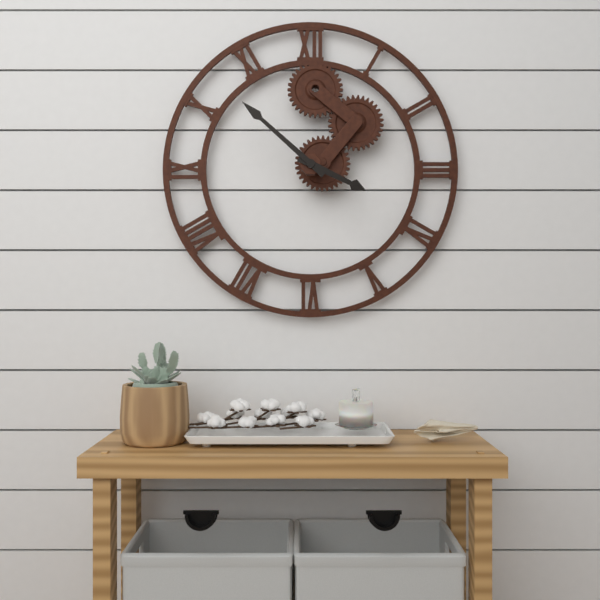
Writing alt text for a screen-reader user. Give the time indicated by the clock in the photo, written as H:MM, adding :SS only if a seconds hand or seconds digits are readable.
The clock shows 3:52
